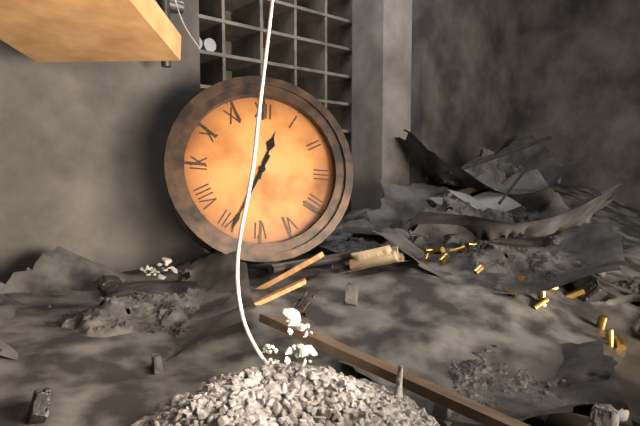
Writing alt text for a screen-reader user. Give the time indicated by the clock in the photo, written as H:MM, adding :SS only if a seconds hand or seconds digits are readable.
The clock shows 12:34
